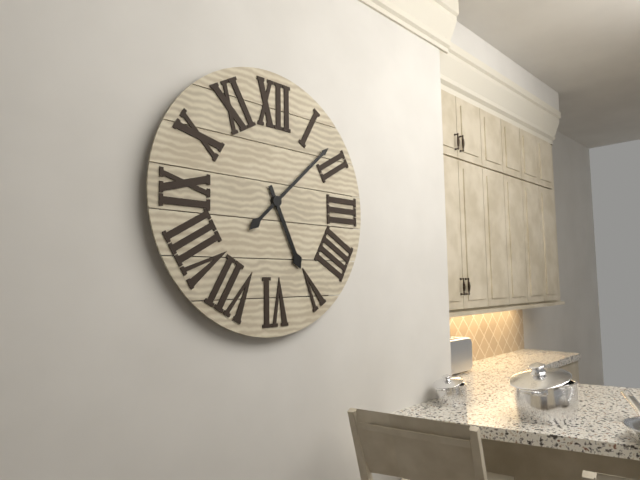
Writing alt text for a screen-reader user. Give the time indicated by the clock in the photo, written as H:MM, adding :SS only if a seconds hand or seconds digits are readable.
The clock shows 5:08
